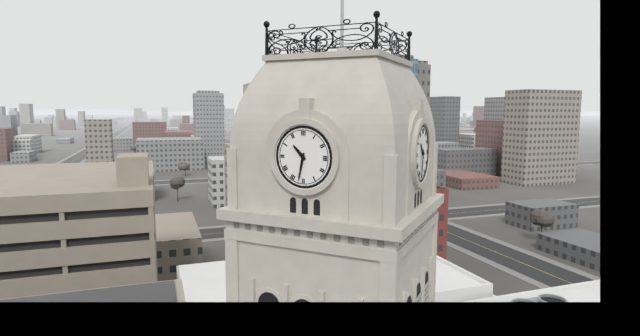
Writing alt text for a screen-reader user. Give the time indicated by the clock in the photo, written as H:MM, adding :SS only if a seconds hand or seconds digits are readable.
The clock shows 10:32
